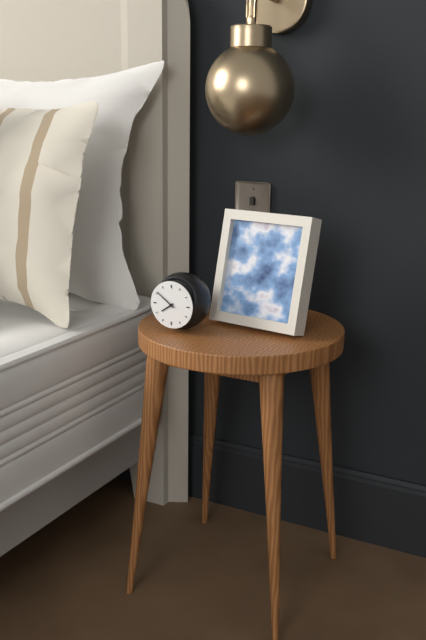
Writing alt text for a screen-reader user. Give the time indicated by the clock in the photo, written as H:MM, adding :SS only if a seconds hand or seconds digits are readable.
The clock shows 7:51
